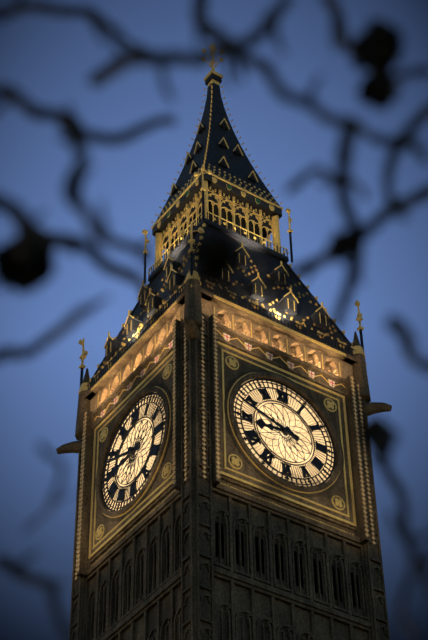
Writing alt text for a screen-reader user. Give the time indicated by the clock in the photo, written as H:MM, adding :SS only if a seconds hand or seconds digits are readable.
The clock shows 8:48
